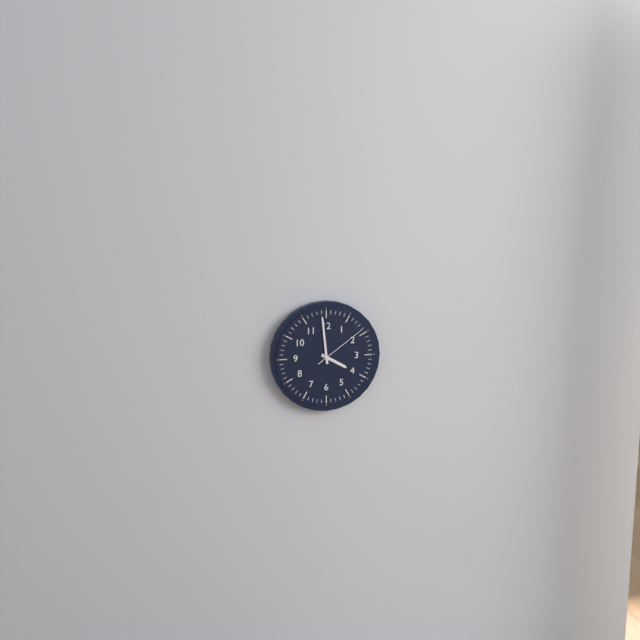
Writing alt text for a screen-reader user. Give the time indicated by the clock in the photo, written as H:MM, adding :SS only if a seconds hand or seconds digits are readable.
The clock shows 3:59:09
